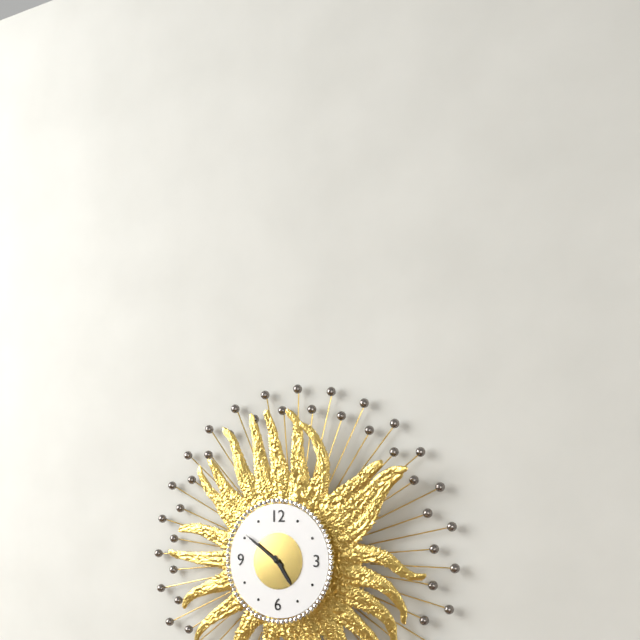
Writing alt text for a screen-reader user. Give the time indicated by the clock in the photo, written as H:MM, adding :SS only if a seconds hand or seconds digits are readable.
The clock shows 4:51
